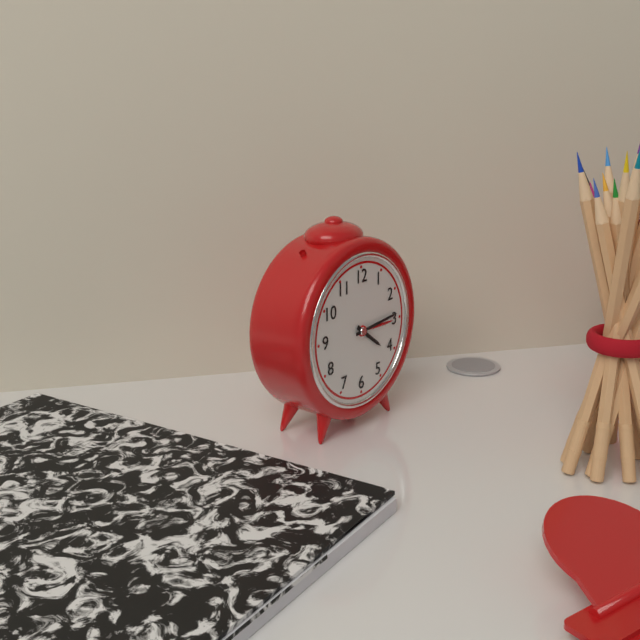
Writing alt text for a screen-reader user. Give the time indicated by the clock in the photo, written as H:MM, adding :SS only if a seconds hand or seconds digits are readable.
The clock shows 4:14
